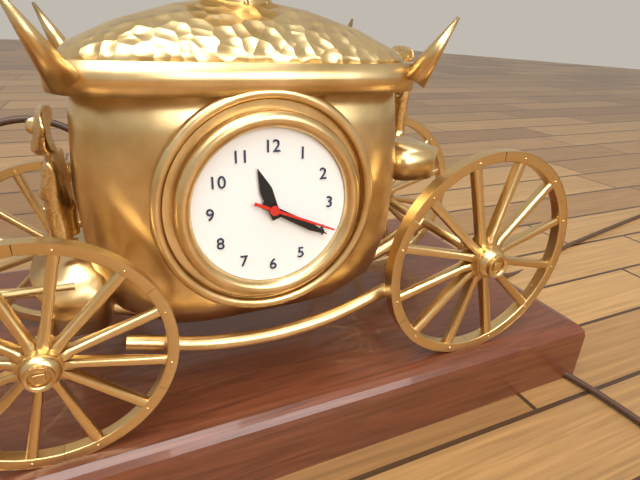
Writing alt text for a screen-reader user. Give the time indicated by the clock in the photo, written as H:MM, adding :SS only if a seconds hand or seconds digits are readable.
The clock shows 11:20:19
